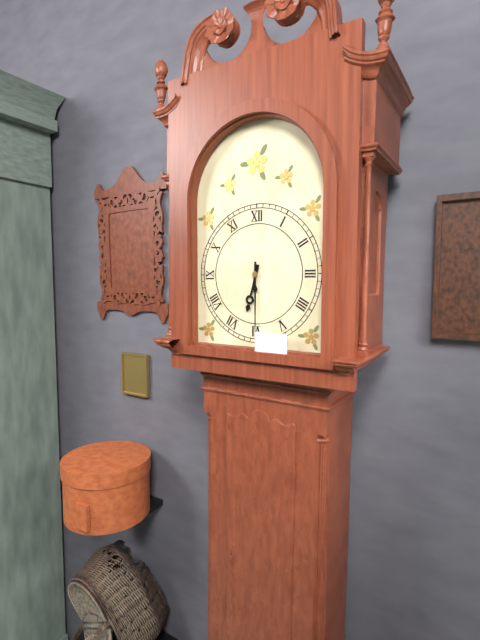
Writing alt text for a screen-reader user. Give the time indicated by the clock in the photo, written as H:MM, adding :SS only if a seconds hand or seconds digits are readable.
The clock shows 6:30
